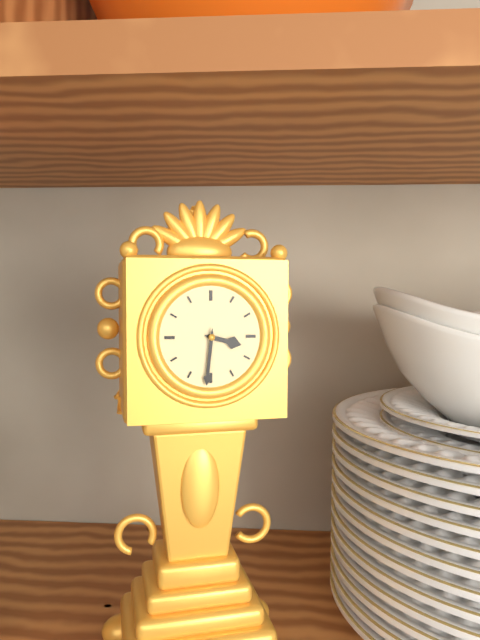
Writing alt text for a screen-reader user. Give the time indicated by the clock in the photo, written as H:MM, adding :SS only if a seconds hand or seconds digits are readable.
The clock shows 3:31
